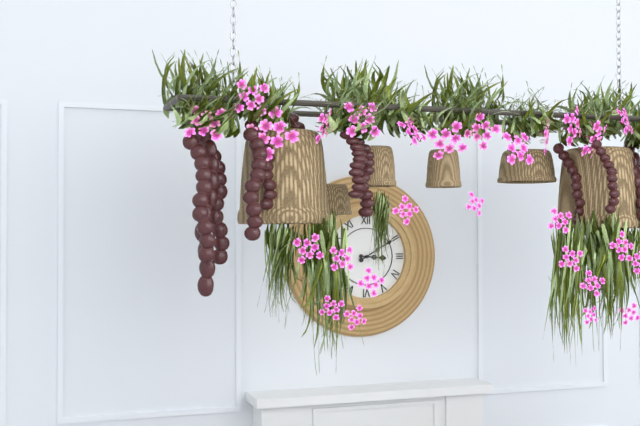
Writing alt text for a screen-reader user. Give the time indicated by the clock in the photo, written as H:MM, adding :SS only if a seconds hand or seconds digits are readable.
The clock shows 3:10
